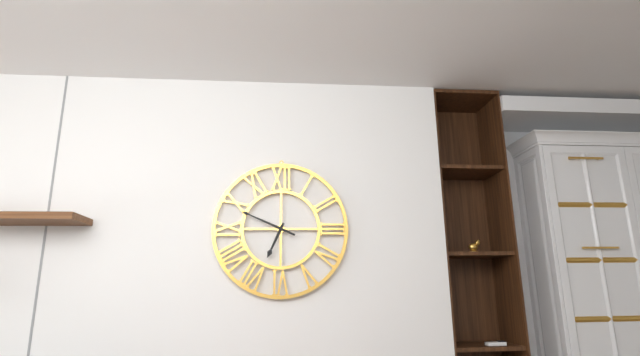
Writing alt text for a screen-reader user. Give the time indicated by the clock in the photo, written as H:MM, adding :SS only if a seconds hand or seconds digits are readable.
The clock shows 6:49
